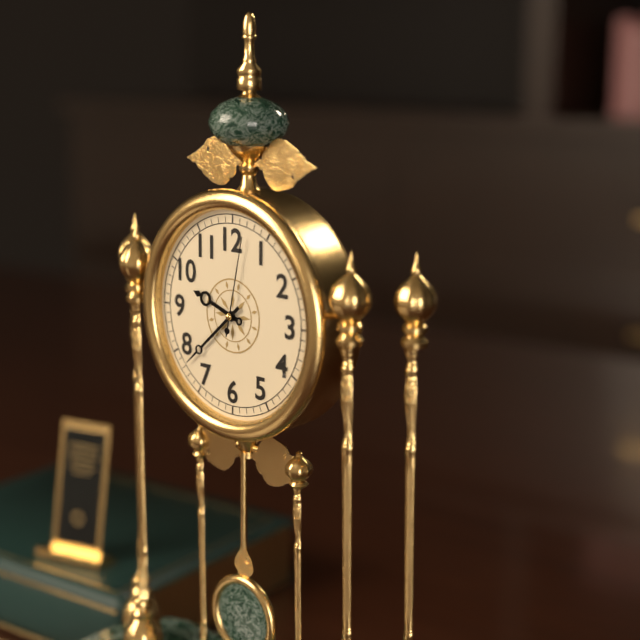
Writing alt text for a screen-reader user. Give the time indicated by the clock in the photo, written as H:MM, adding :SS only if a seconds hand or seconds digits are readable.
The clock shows 9:38:02
